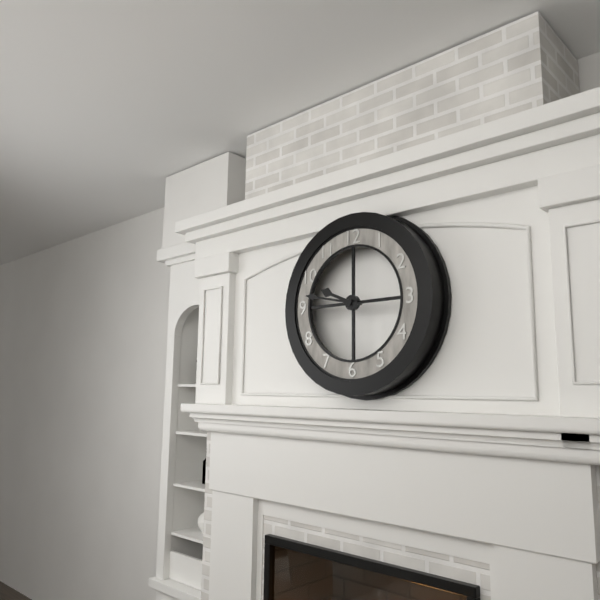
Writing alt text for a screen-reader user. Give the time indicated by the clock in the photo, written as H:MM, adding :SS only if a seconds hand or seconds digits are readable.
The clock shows 9:47
